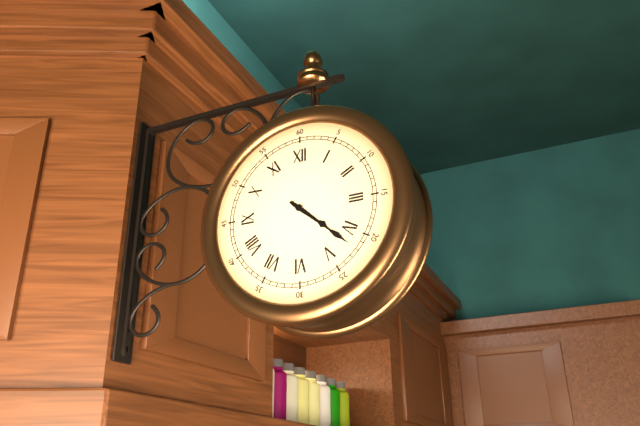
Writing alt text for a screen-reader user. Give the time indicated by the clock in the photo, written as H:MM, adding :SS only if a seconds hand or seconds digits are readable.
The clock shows 4:22
